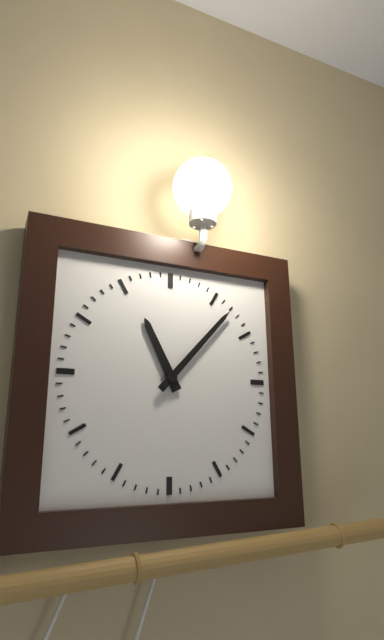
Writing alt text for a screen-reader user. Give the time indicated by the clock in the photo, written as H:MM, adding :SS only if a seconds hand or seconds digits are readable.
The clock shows 11:07
